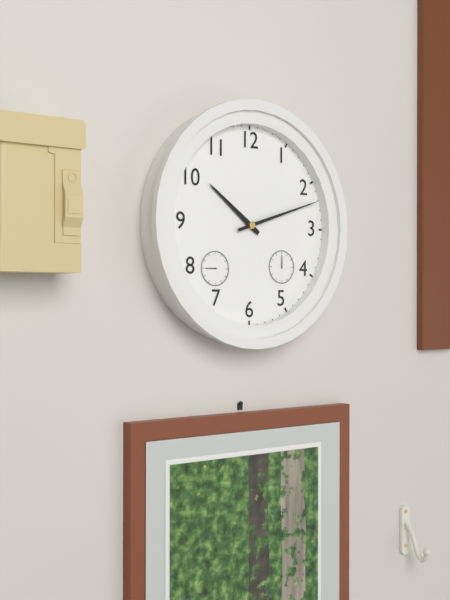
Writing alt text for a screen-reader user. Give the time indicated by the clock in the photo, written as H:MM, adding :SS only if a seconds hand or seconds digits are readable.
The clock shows 10:12
